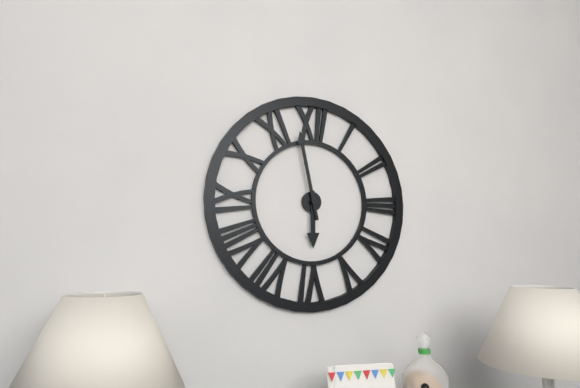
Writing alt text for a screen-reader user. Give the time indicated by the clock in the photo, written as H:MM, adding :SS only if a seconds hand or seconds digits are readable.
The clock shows 5:58
